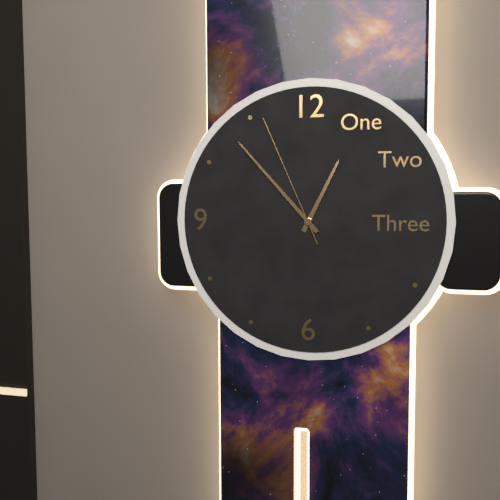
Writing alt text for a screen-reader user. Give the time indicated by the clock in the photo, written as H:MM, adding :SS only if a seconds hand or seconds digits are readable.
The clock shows 12:53:56
